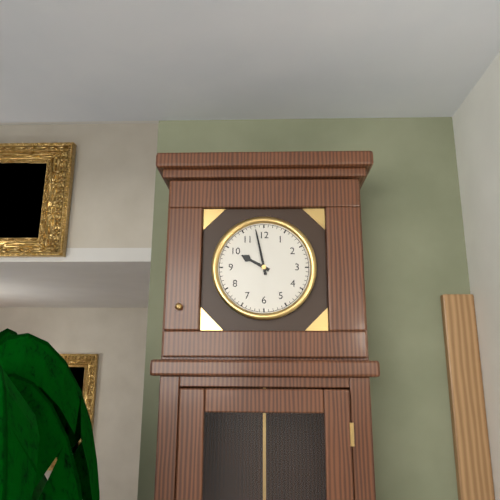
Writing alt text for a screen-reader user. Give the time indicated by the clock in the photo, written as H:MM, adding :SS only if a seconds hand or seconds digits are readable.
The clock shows 9:58
